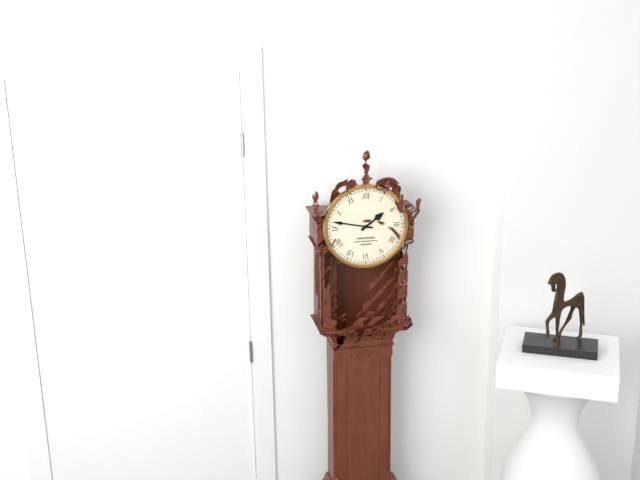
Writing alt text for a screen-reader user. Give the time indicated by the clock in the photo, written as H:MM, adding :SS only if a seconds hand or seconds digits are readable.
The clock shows 1:47
